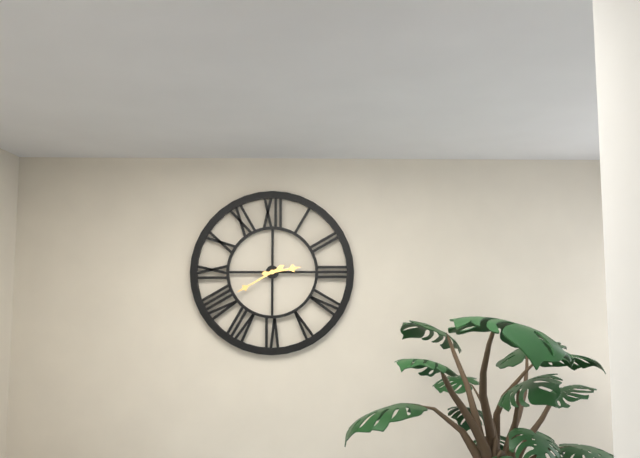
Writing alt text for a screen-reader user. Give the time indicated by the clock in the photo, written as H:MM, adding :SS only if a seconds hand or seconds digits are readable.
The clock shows 2:40
